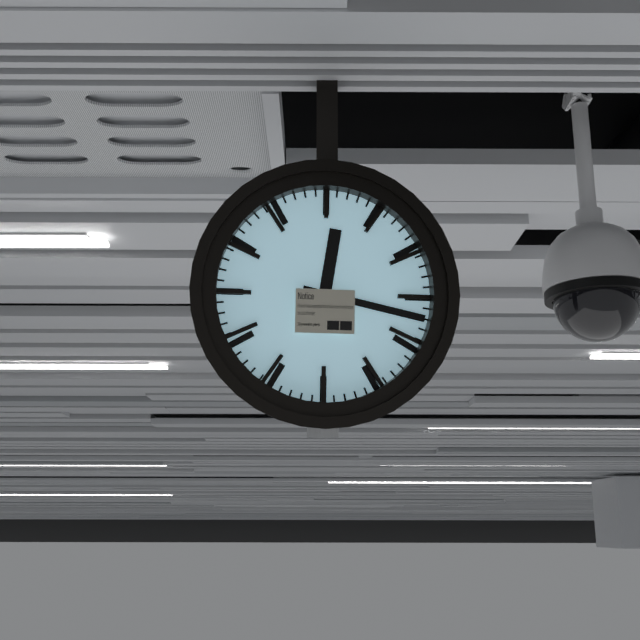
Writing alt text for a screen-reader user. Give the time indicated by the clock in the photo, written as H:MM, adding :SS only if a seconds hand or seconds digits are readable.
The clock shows 12:17
